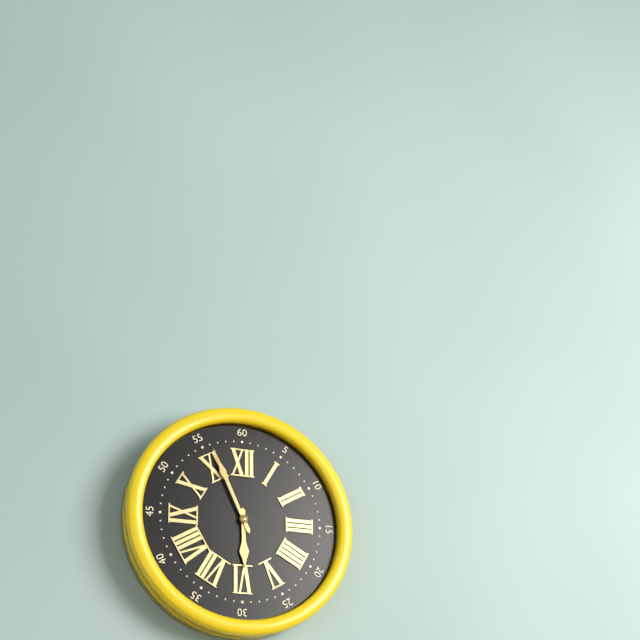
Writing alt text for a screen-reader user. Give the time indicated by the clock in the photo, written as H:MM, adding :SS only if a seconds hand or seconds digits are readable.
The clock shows 5:56
